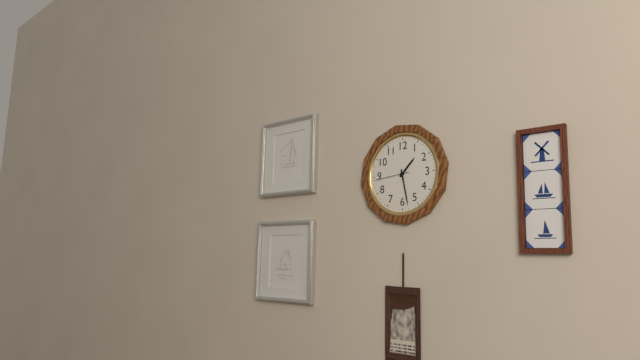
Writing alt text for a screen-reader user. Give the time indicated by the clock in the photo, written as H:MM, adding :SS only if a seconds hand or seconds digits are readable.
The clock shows 1:28
